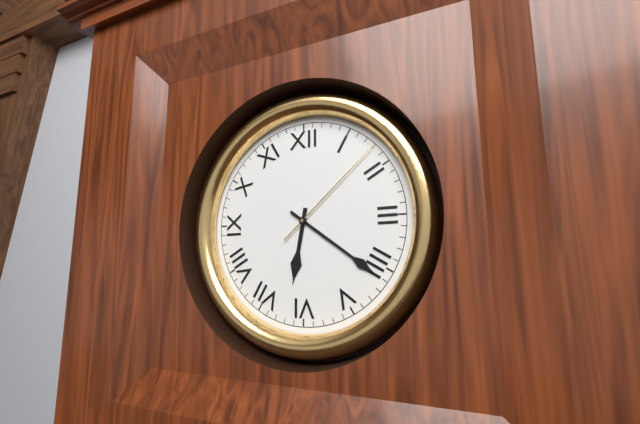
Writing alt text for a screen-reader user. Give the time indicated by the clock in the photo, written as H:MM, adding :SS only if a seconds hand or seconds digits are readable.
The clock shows 6:21:08
